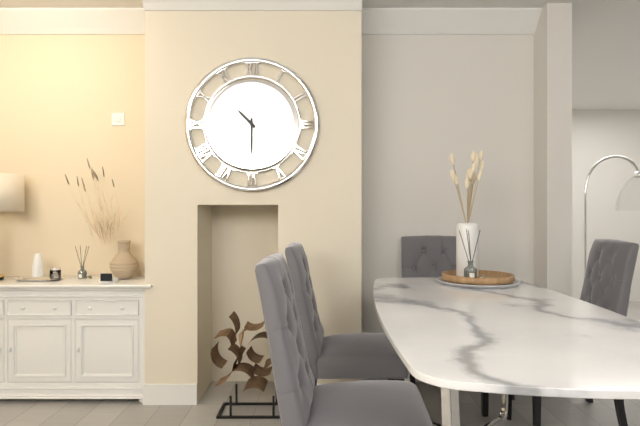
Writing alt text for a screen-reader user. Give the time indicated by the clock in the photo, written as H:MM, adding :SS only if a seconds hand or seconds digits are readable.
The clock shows 10:30
